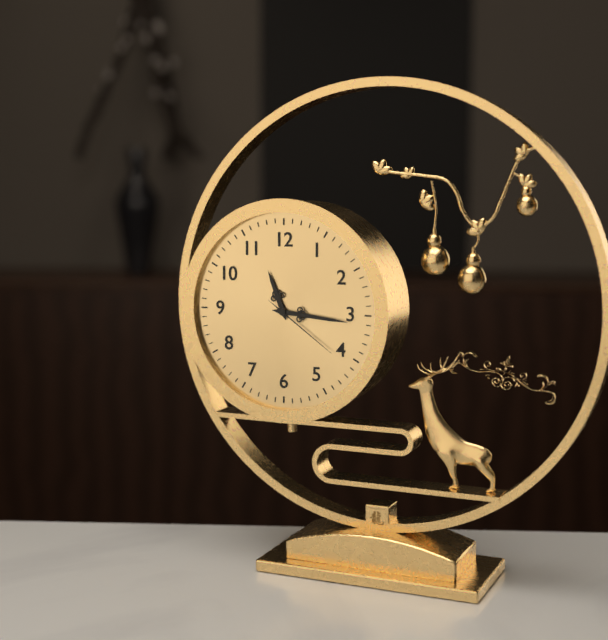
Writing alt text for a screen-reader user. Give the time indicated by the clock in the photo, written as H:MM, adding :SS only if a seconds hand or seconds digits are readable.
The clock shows 11:16:21
